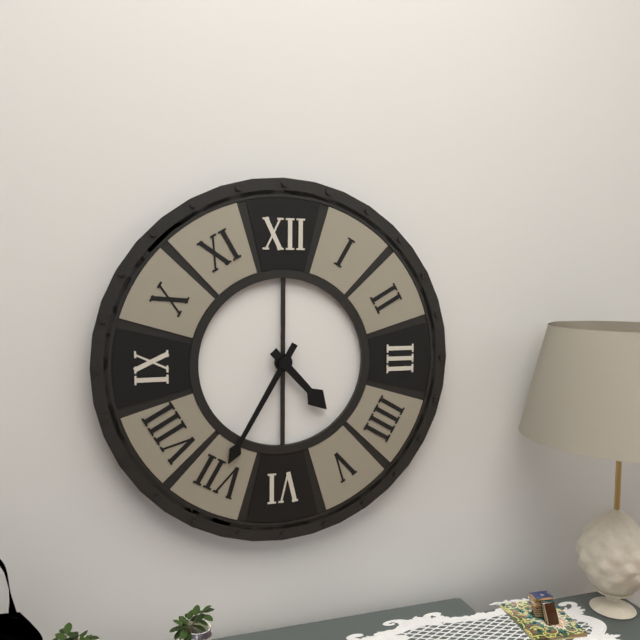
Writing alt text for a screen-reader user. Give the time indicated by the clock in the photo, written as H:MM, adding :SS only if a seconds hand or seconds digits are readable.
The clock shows 4:35
